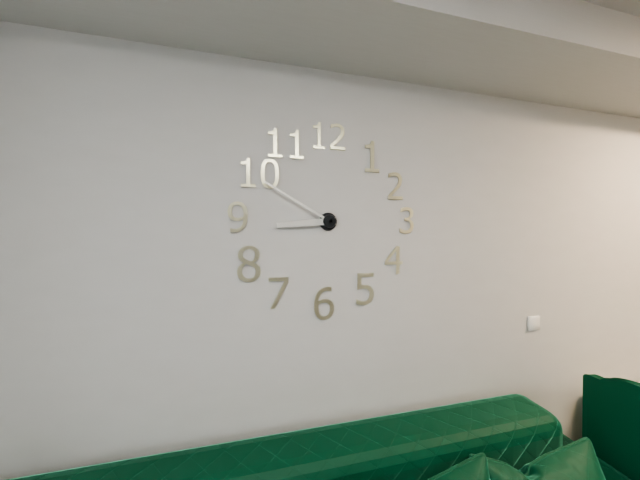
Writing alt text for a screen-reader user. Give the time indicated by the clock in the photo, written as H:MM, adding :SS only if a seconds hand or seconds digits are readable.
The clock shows 8:50
